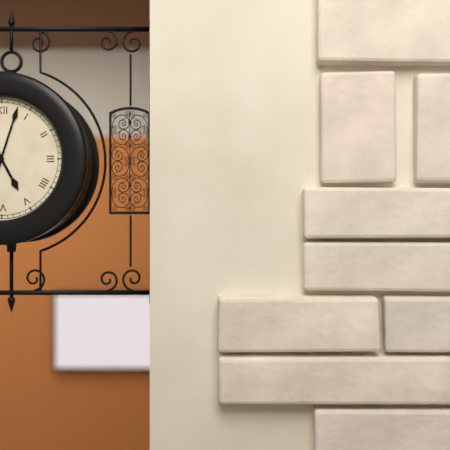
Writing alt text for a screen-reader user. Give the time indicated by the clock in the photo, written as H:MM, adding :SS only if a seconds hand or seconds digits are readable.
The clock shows 5:03
